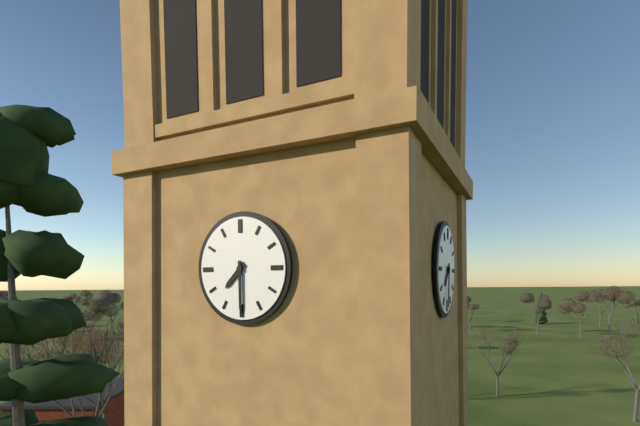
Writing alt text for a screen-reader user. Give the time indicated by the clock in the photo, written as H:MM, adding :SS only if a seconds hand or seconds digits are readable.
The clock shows 7:30
